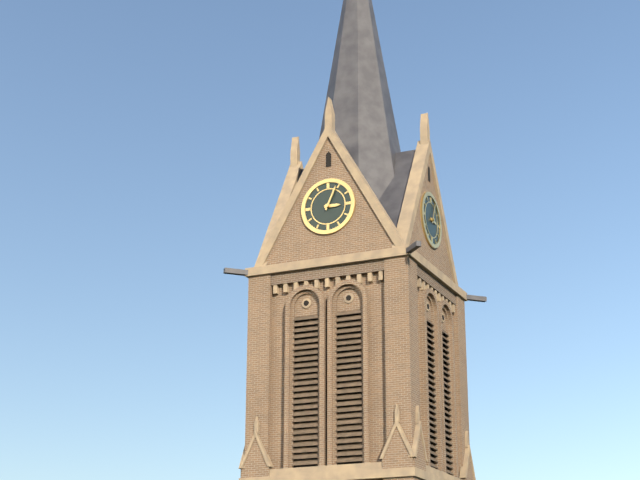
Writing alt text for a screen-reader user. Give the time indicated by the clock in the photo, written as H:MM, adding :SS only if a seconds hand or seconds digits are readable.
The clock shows 3:04
